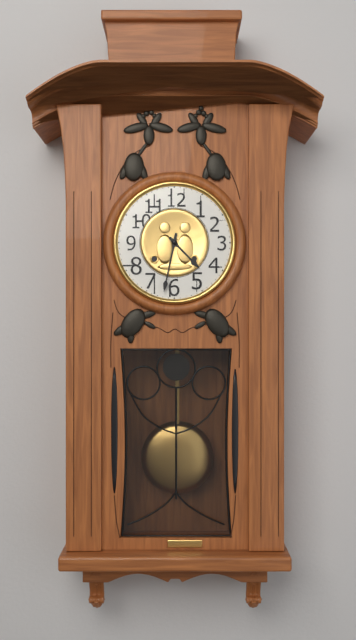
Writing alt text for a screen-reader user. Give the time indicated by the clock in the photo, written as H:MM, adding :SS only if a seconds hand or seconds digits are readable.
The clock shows 4:32
